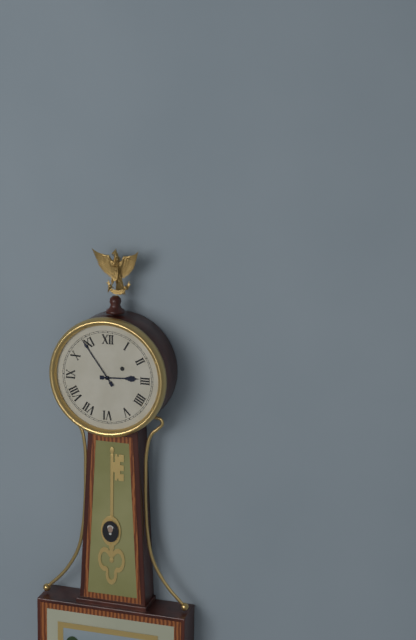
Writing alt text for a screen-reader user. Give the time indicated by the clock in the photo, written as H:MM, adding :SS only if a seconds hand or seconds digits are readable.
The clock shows 2:54
